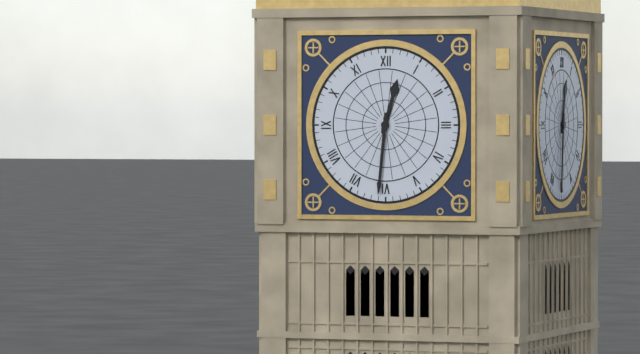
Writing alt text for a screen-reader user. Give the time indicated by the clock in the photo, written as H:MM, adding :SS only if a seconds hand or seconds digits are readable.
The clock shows 12:31
